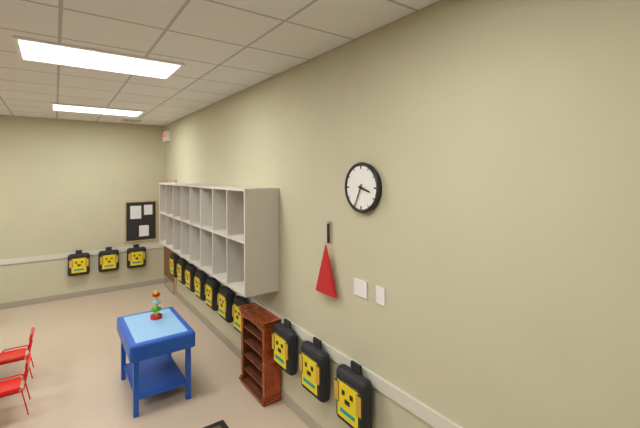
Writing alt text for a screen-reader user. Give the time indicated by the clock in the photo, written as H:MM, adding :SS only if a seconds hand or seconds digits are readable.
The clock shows 3:34
